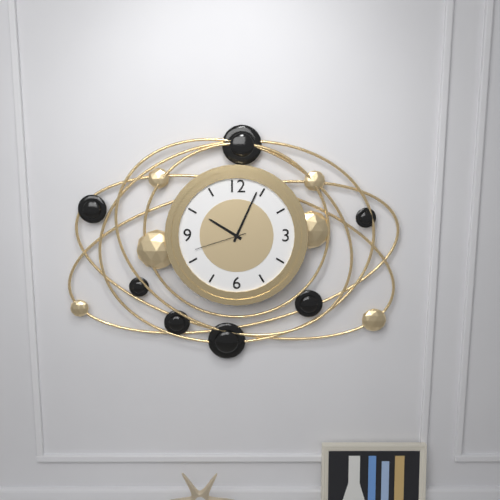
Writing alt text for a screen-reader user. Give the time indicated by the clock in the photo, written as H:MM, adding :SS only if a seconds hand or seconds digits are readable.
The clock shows 10:04:42
